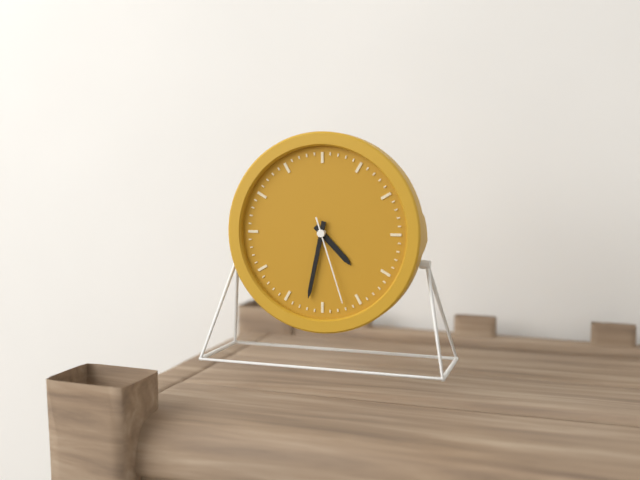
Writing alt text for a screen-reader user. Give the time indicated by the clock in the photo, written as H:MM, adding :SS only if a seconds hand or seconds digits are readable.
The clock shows 4:32:27
